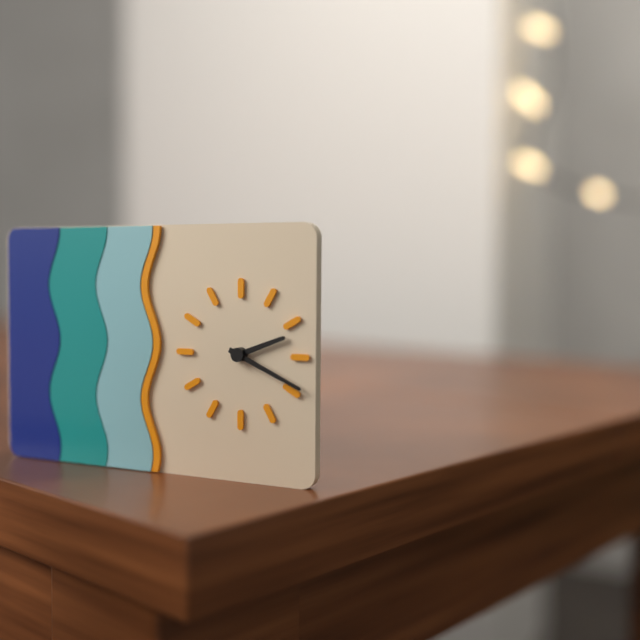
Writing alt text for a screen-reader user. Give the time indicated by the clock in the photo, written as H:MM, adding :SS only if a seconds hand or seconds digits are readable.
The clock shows 2:19
